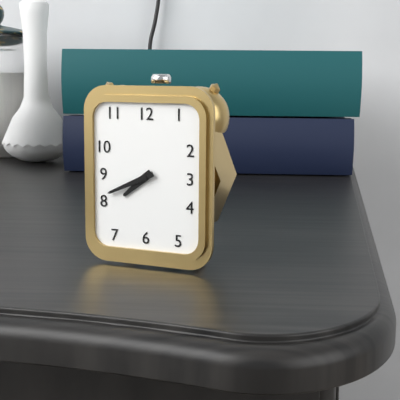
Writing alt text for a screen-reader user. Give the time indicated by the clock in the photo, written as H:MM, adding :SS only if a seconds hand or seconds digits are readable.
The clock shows 7:41
